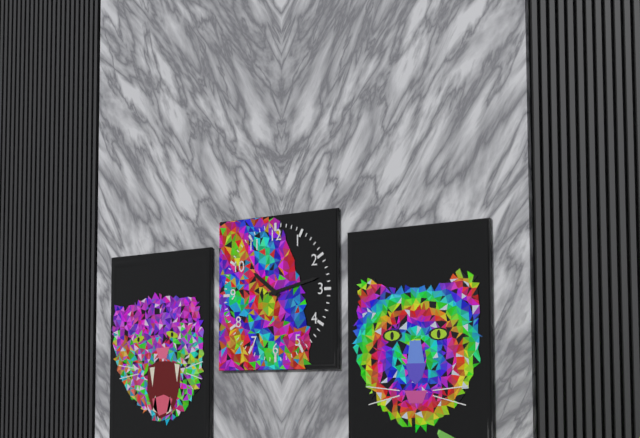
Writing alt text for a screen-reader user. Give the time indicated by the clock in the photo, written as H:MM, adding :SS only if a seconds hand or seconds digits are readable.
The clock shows 10:13
